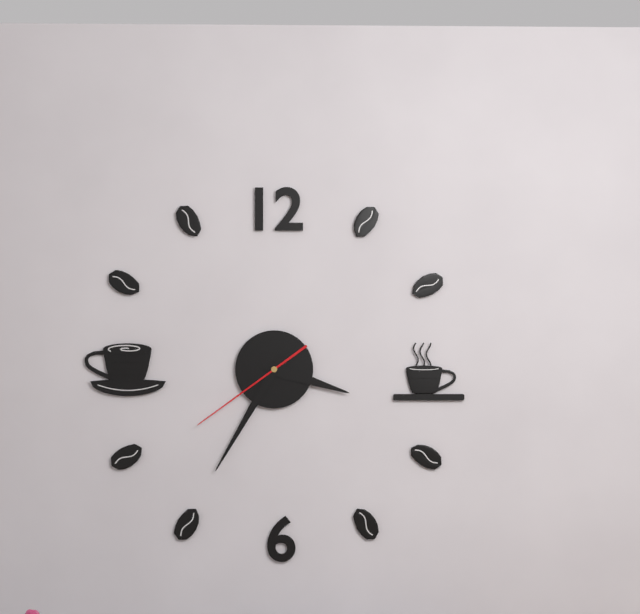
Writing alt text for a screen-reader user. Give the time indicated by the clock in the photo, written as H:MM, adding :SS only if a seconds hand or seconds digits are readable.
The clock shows 3:35:39
